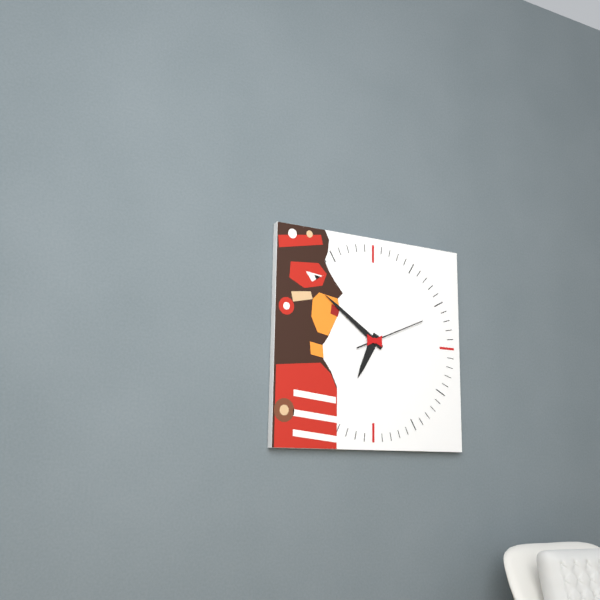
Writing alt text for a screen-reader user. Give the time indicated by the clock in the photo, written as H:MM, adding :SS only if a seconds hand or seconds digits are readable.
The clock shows 6:51:11
